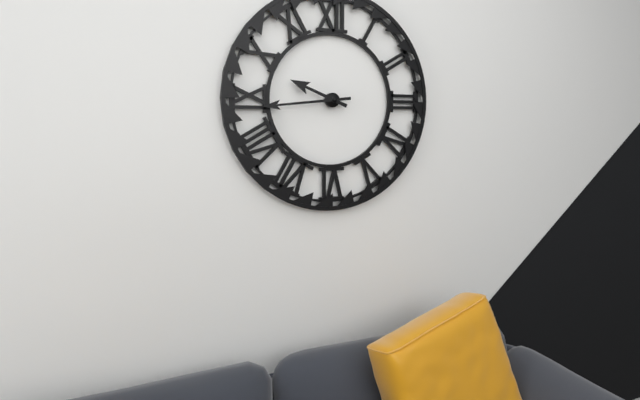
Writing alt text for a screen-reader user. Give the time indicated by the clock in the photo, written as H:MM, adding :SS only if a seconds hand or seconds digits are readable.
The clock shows 9:44
